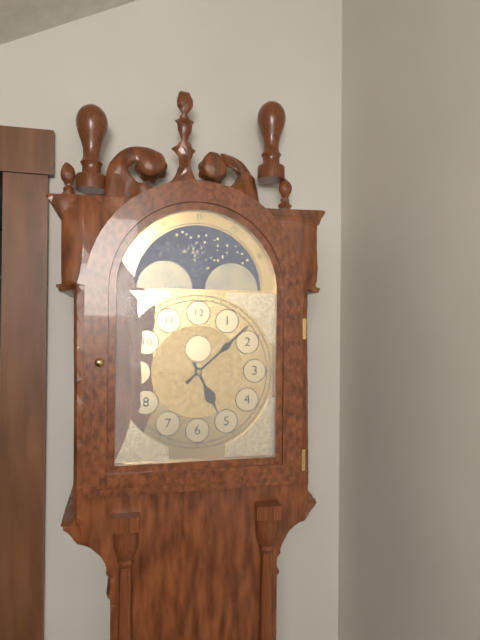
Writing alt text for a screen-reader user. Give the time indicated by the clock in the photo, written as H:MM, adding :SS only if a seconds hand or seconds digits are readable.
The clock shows 5:08
